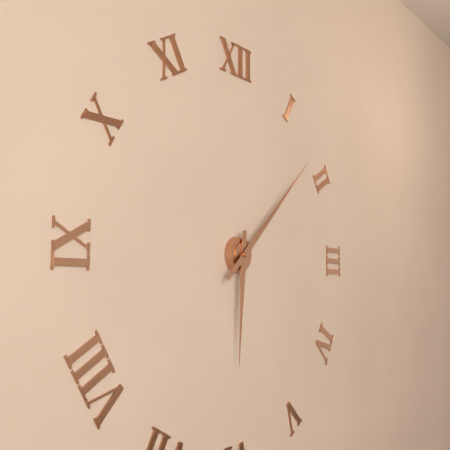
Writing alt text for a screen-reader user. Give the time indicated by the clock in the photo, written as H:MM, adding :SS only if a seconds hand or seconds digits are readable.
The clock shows 6:08
